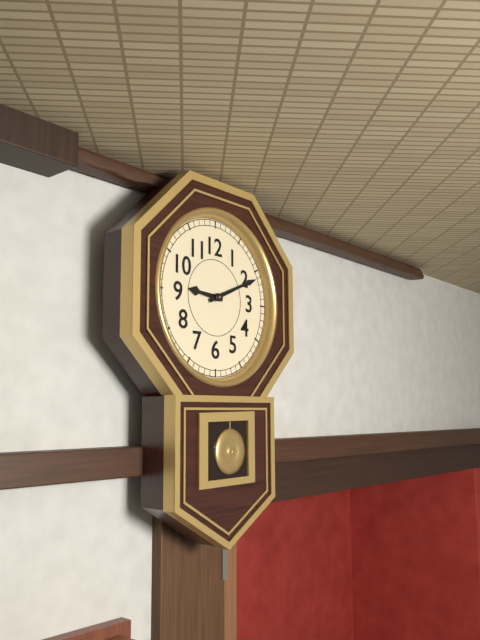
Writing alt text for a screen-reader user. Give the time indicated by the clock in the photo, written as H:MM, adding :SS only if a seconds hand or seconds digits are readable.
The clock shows 9:11
